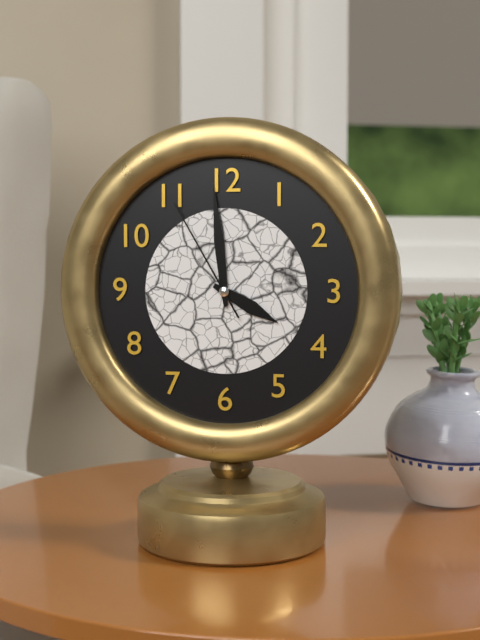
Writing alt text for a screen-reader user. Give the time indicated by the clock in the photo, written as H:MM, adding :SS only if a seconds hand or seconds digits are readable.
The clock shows 3:59:55
